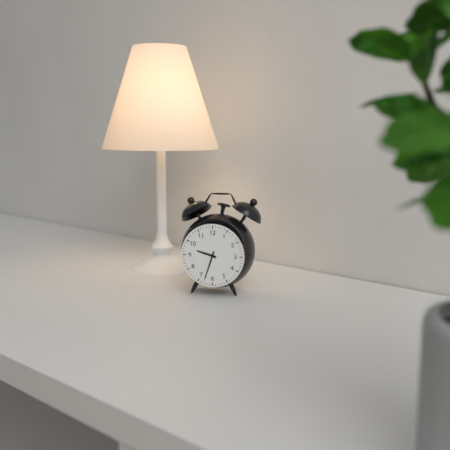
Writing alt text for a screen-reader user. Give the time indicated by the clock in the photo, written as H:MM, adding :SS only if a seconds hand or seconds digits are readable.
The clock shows 9:33
